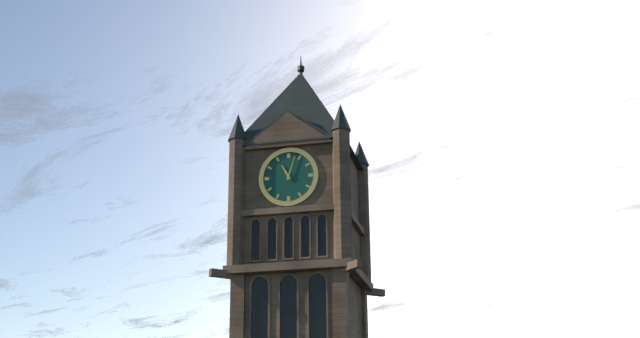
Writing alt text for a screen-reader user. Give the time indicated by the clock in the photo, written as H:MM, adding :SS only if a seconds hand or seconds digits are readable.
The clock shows 11:03
